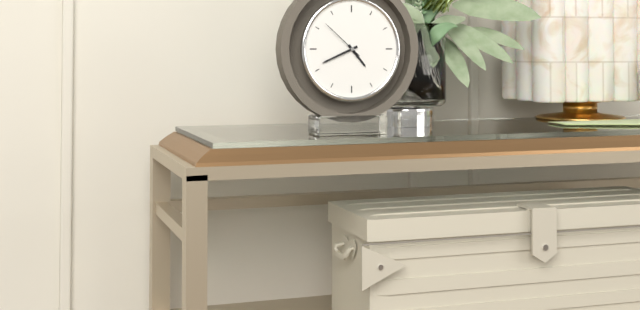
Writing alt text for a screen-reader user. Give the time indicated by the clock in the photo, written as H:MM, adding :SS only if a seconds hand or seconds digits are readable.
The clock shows 4:41
